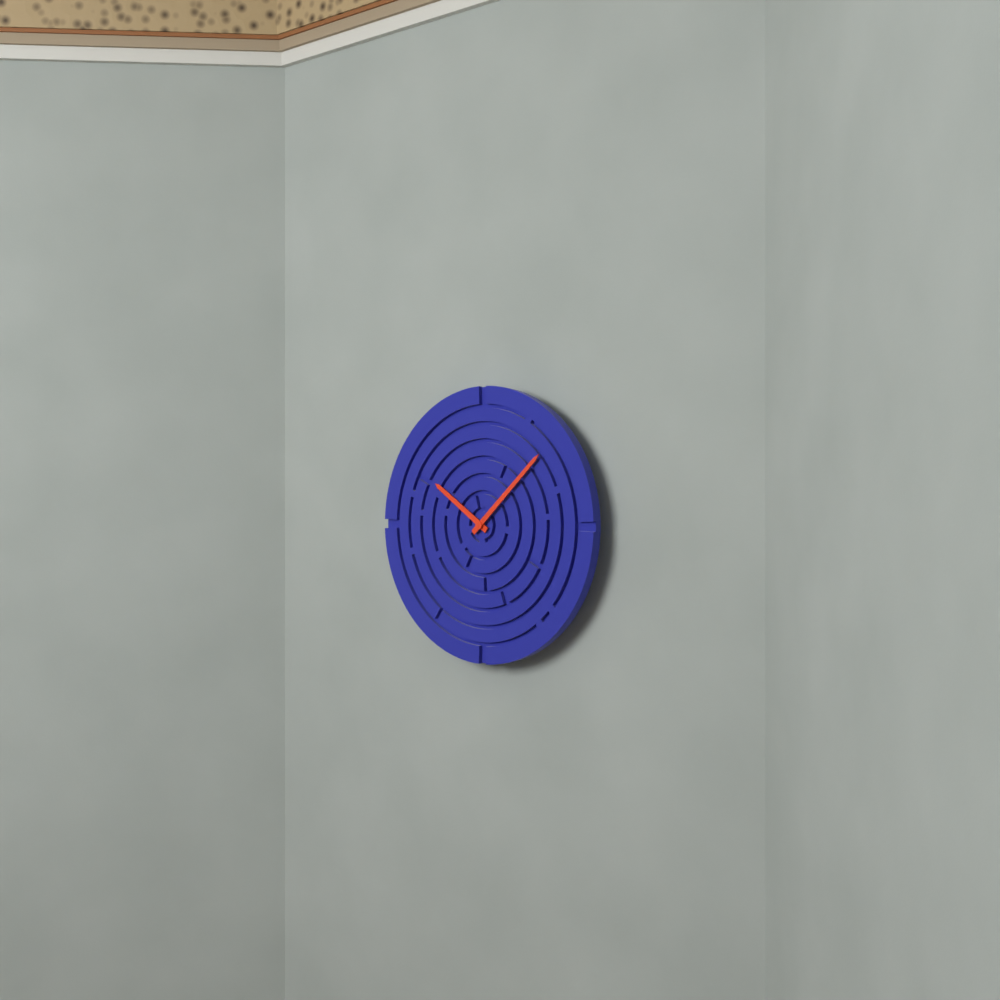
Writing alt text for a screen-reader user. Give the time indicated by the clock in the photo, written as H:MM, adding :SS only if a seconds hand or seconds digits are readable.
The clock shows 10:08
